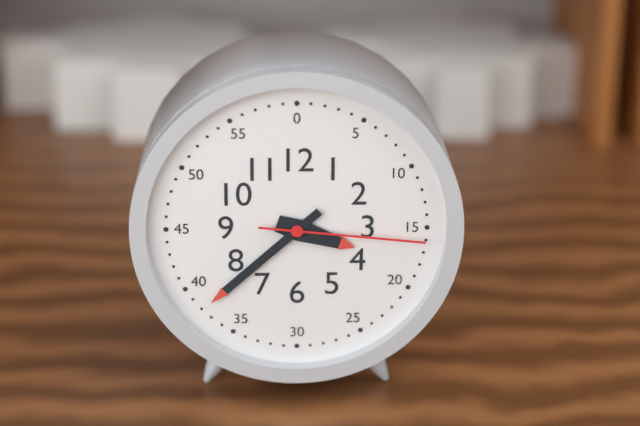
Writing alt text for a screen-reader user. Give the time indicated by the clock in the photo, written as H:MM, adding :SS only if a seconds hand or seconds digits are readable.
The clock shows 3:38:16
